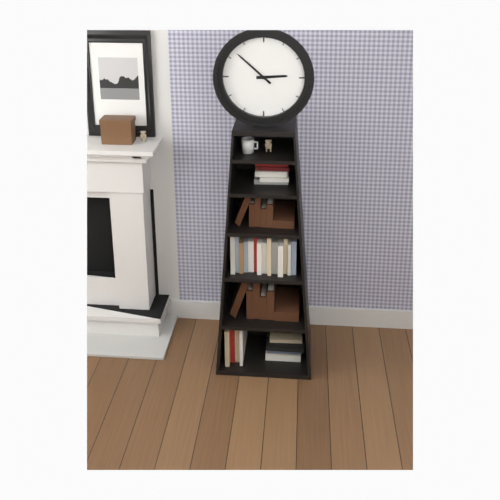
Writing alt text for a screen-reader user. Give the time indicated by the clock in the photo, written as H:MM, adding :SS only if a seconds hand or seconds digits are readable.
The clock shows 2:52
